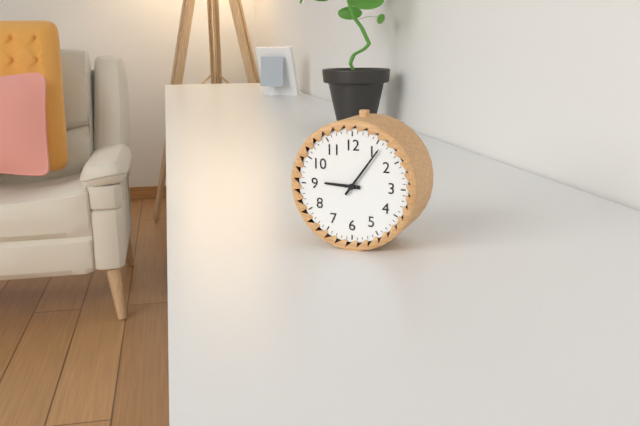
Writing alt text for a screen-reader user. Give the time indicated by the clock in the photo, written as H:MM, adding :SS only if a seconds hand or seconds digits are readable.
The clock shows 9:06
